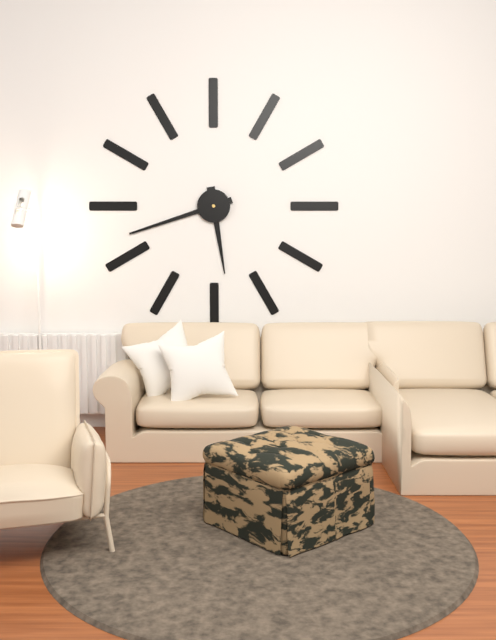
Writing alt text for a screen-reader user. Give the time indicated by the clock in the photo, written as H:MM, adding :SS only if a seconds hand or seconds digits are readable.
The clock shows 5:42
